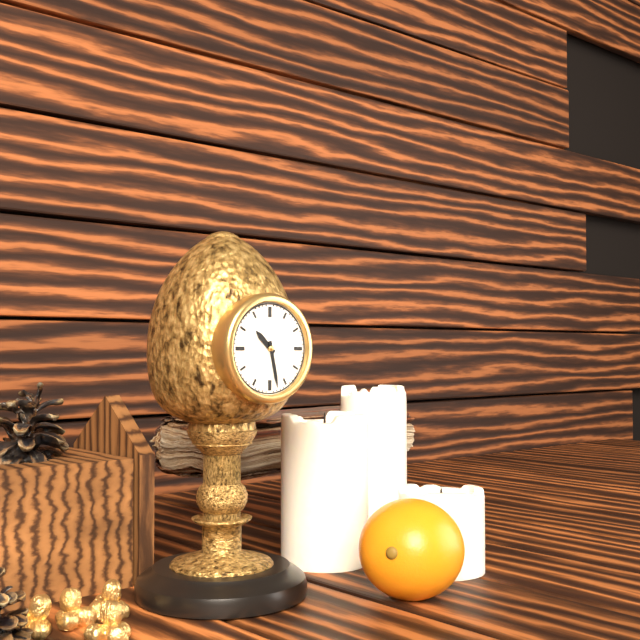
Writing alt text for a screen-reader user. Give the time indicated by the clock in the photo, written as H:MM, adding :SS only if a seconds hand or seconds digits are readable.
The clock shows 10:28
